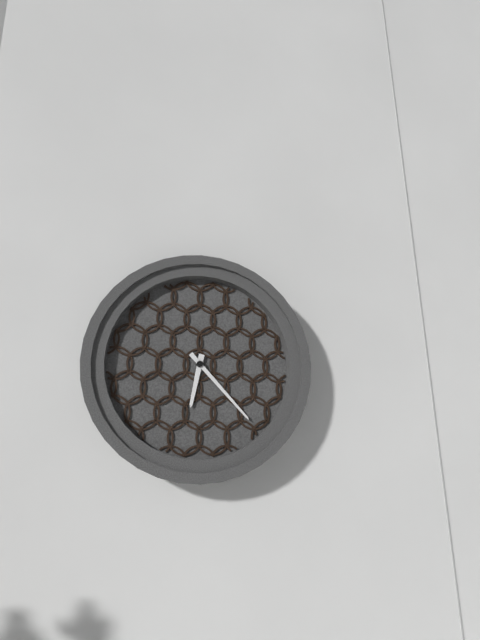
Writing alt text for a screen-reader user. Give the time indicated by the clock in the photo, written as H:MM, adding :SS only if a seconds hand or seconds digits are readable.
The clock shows 6:23
